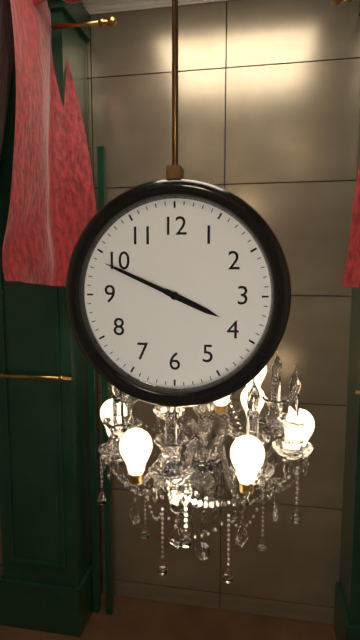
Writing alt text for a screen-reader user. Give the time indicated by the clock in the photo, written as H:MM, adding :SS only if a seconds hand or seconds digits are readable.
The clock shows 3:49
